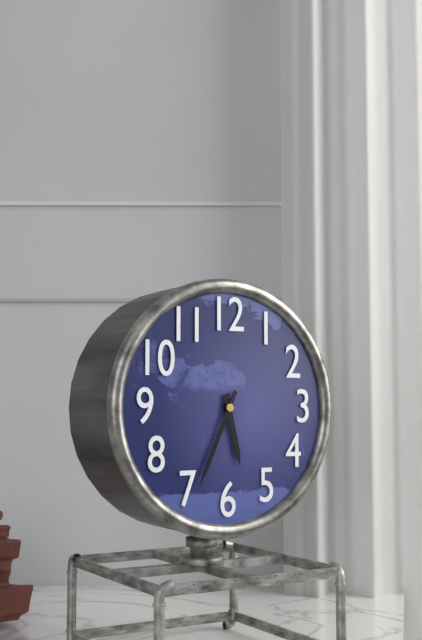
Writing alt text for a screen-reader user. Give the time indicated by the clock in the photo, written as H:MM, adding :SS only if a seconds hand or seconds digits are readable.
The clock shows 5:34
